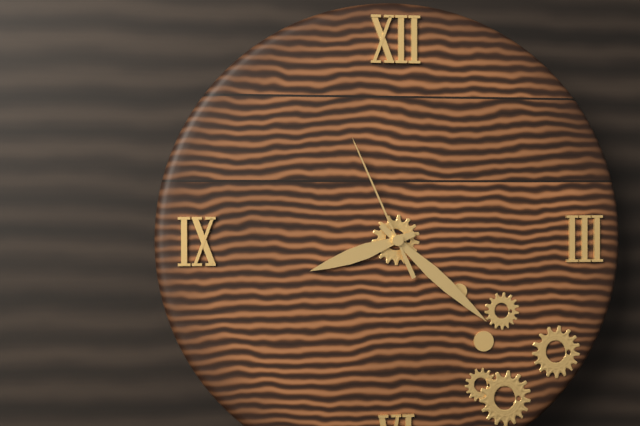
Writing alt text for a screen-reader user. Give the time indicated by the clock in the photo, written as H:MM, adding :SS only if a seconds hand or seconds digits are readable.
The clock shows 8:22:56
